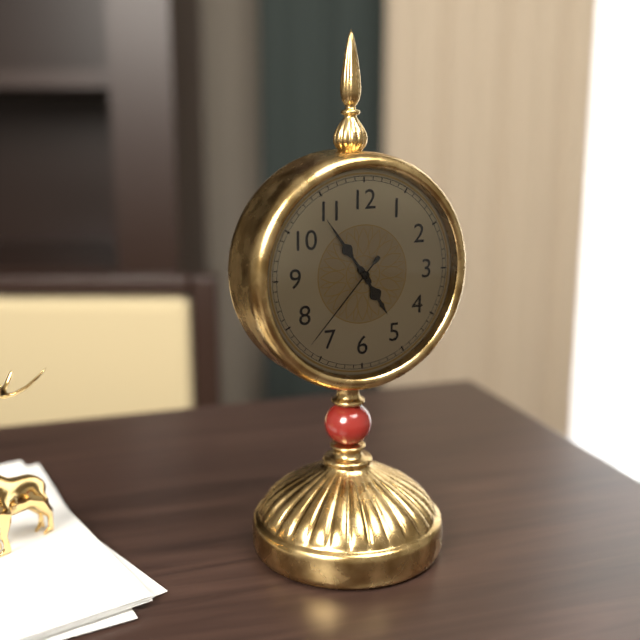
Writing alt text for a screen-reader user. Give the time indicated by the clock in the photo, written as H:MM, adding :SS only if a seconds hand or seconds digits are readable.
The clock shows 4:54:37
